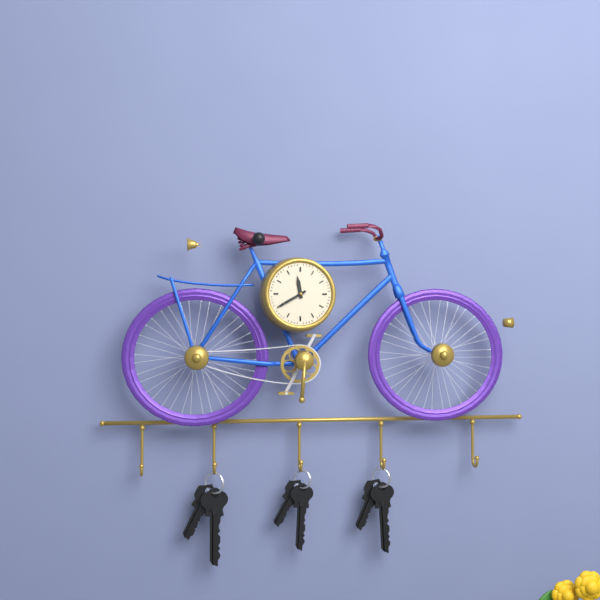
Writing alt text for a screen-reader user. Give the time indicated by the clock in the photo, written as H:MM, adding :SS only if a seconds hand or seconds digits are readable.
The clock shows 11:40
